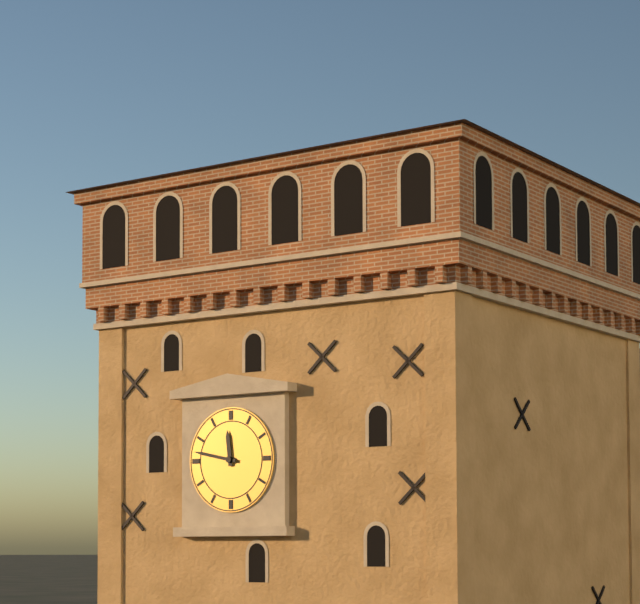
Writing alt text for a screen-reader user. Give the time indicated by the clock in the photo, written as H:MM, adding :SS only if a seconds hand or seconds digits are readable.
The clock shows 11:47
